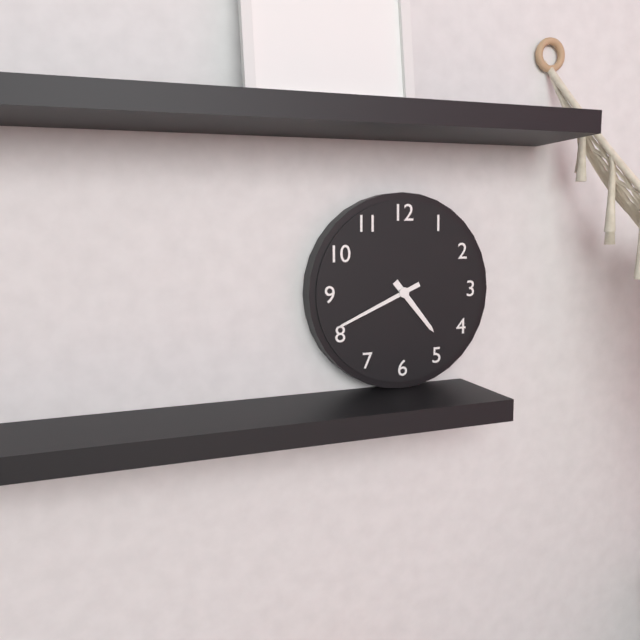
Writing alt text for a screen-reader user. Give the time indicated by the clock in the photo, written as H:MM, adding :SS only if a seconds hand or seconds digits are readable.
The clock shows 4:41
